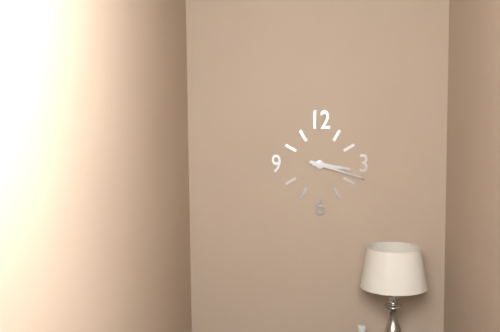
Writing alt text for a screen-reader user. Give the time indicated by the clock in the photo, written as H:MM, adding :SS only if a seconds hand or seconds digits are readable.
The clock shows 3:18
